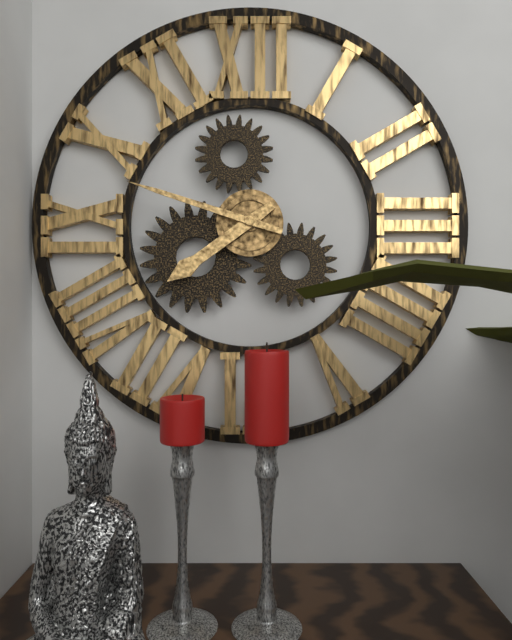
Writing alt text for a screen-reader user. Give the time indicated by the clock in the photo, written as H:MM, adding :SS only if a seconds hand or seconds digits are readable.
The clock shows 7:48
